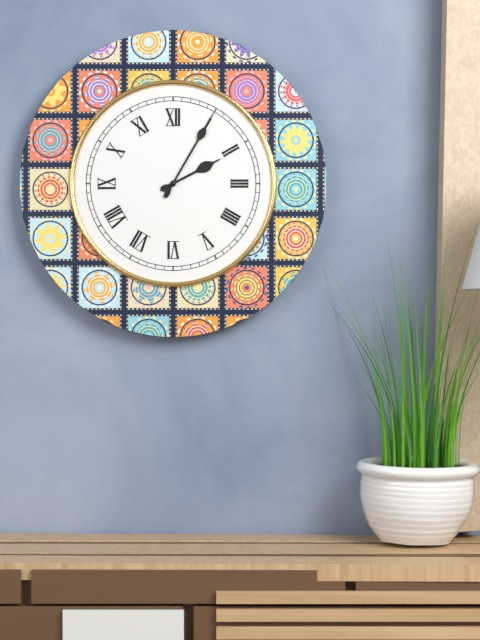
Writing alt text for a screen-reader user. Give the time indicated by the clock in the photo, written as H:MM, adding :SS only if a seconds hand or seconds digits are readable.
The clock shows 2:05
